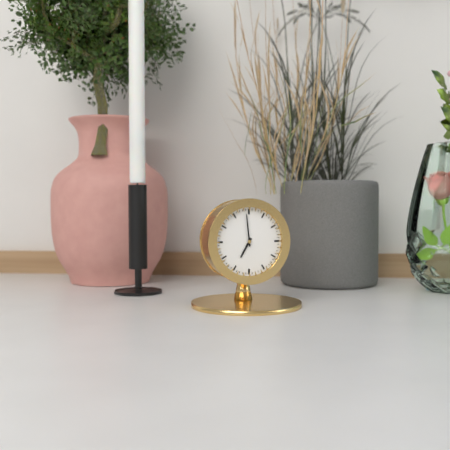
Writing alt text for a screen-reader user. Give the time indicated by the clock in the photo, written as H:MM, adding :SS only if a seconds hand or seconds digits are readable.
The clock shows 6:59
